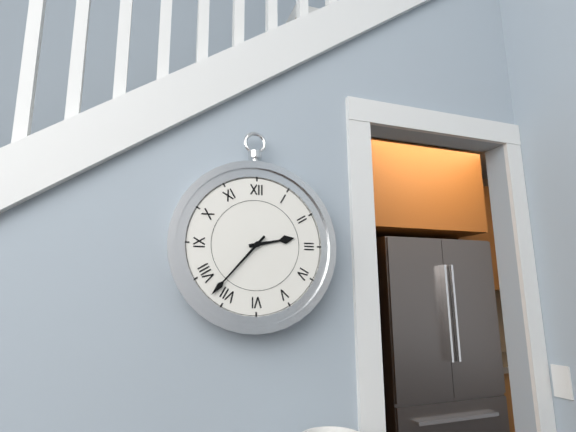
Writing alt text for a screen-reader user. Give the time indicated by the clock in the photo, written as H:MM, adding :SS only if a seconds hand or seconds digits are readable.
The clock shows 2:37
